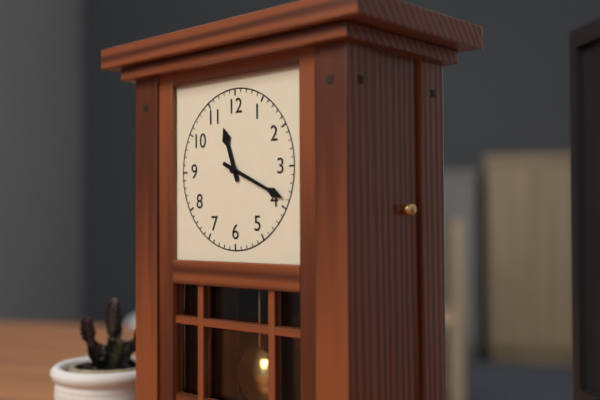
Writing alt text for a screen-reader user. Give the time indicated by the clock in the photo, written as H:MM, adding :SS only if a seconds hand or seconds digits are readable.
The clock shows 11:19
